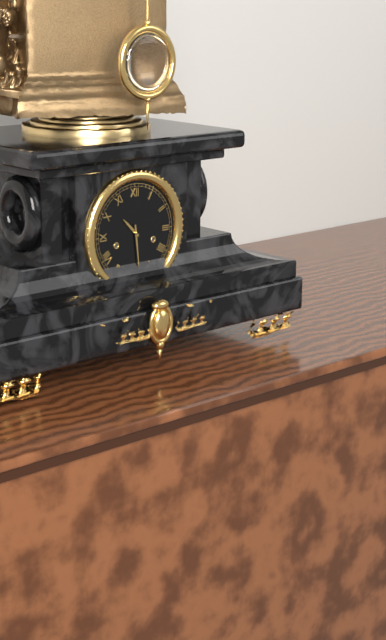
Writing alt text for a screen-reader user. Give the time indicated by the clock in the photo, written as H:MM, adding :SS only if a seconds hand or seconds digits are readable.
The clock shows 10:29
